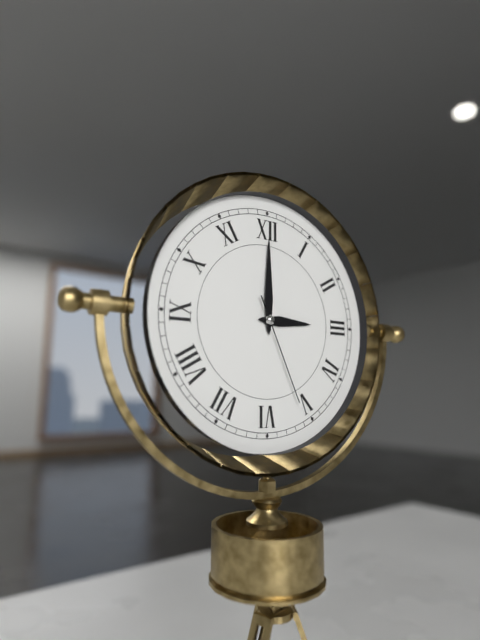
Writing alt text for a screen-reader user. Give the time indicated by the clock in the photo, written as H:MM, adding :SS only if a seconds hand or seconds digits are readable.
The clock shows 3:00:26
